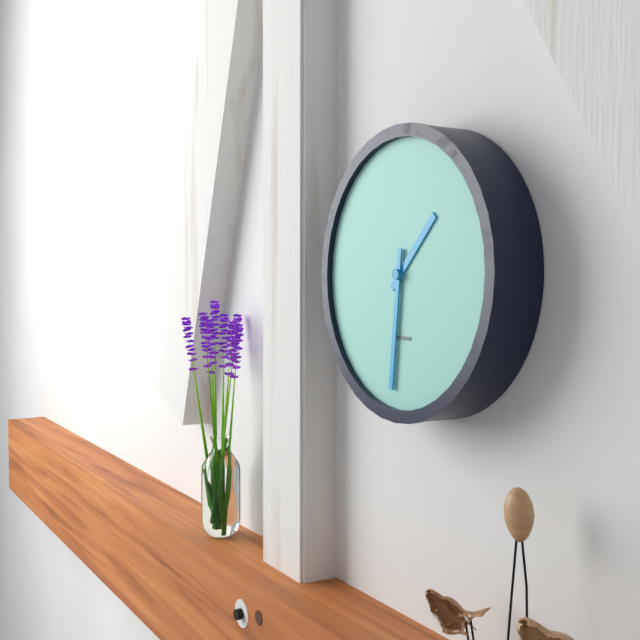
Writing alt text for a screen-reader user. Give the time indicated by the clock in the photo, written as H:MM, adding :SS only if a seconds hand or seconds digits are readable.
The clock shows 1:31
